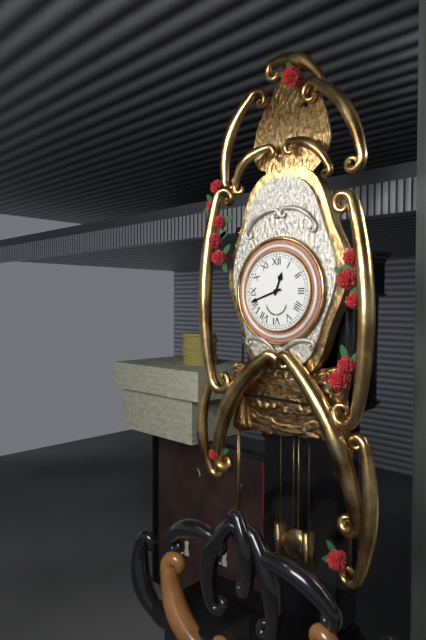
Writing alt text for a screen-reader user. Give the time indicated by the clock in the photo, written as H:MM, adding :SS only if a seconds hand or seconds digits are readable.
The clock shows 12:42
